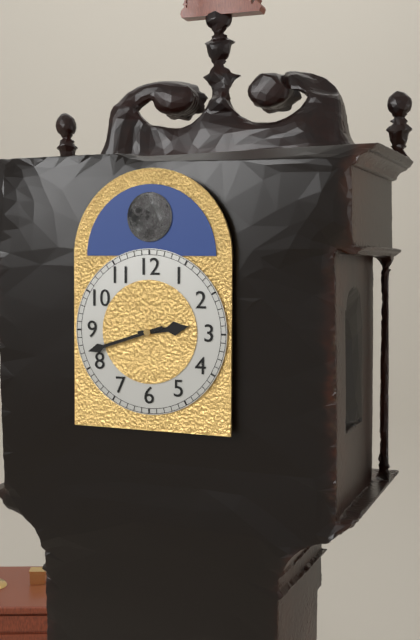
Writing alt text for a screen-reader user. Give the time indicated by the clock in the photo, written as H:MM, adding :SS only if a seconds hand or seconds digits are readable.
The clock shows 2:42
